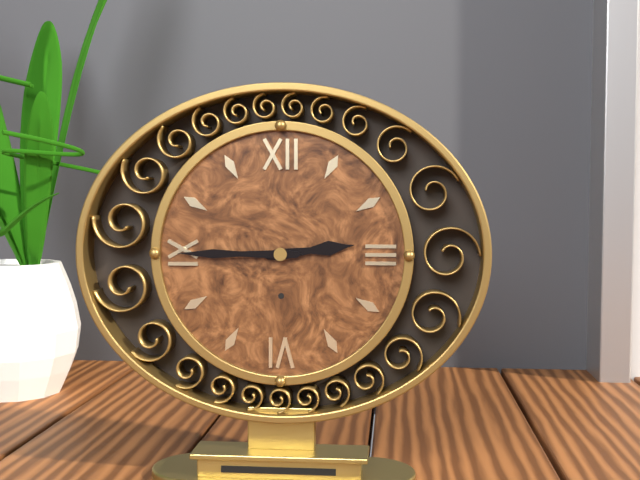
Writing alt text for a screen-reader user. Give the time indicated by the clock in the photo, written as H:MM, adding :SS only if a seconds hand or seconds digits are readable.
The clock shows 2:45
